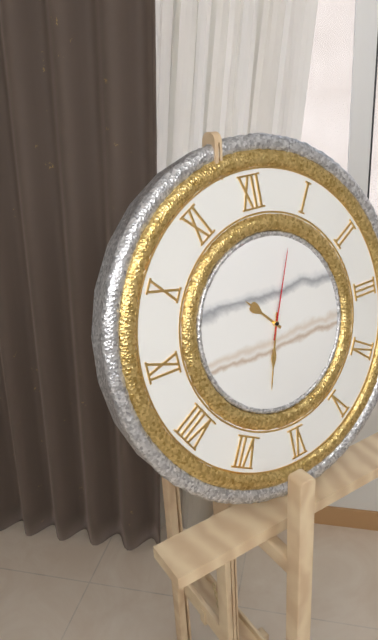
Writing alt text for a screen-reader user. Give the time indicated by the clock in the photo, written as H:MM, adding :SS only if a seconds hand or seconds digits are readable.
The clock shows 10:33:04
